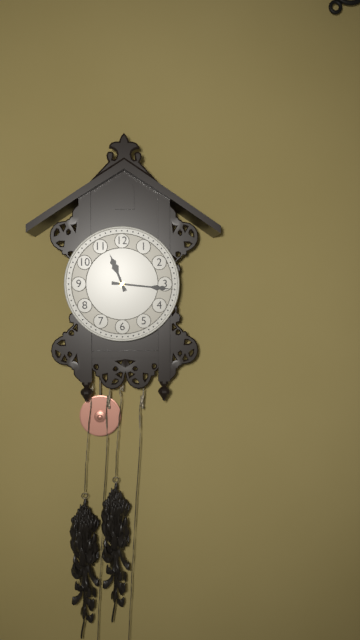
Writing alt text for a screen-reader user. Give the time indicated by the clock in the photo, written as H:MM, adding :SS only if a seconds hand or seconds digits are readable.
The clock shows 11:16
